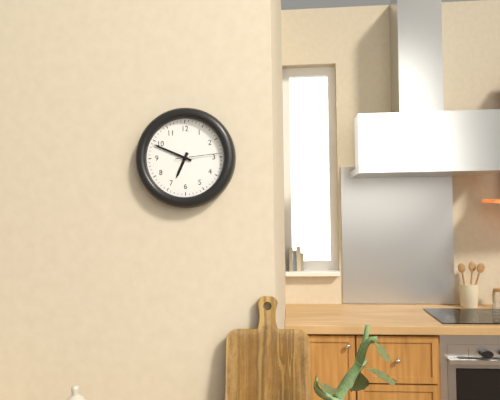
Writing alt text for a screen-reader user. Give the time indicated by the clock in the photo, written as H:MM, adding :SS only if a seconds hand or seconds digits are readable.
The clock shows 6:49
